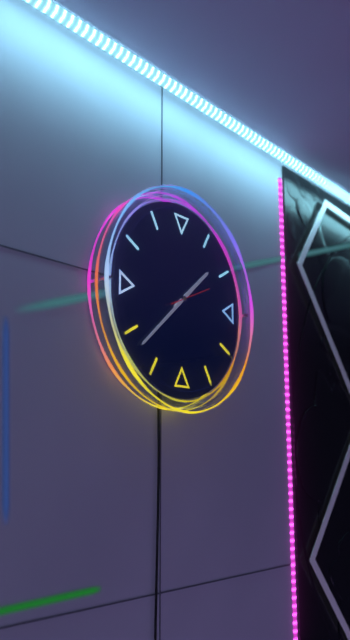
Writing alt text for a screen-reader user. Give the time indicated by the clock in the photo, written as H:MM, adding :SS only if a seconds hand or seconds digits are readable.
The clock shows 1:38
